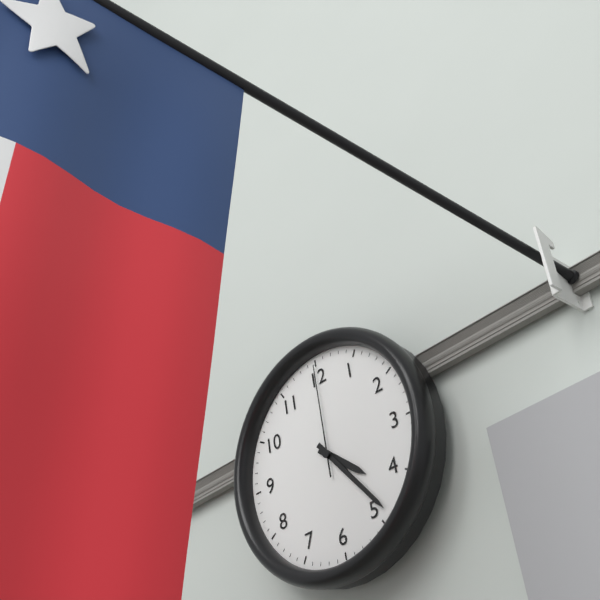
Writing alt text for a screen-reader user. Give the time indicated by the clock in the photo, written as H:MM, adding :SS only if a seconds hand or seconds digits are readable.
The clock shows 4:24:00
